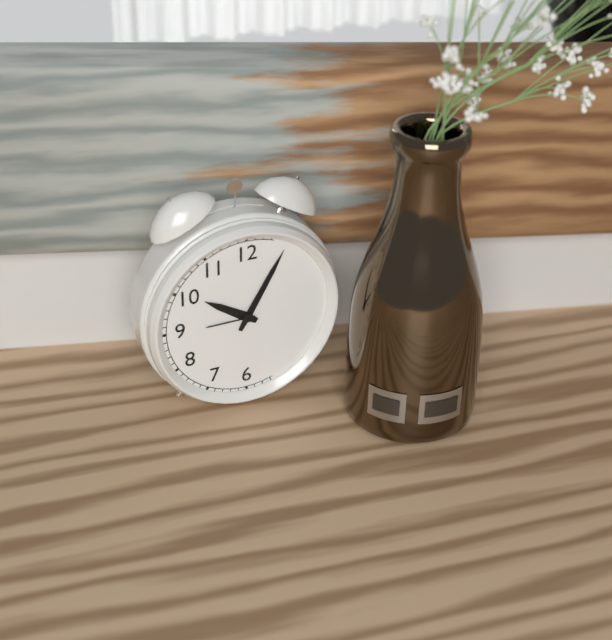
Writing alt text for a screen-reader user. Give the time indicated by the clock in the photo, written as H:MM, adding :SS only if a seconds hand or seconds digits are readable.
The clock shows 10:05
